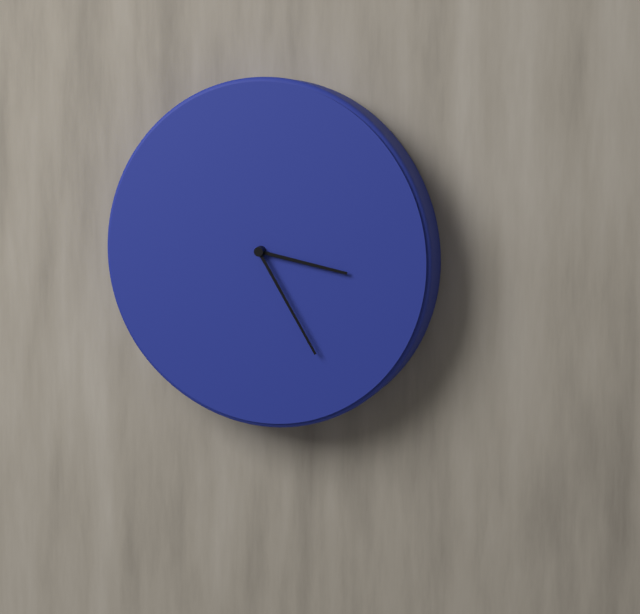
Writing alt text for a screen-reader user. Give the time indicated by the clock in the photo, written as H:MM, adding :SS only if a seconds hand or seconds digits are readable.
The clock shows 3:25
